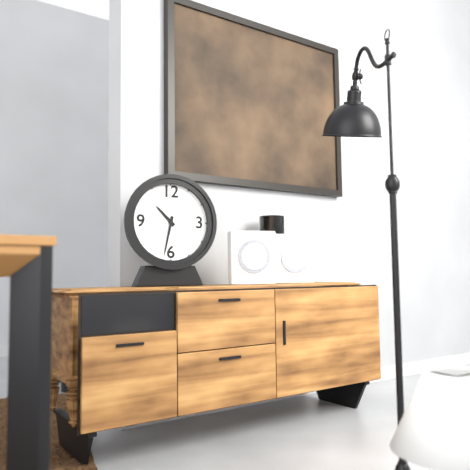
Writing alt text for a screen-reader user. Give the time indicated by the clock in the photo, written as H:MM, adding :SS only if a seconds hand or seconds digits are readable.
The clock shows 10:32
